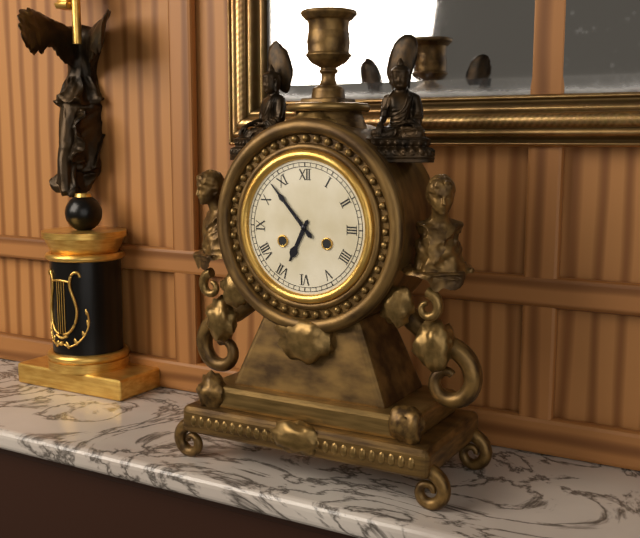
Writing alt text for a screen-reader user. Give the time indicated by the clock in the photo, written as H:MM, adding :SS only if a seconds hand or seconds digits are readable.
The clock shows 6:53
